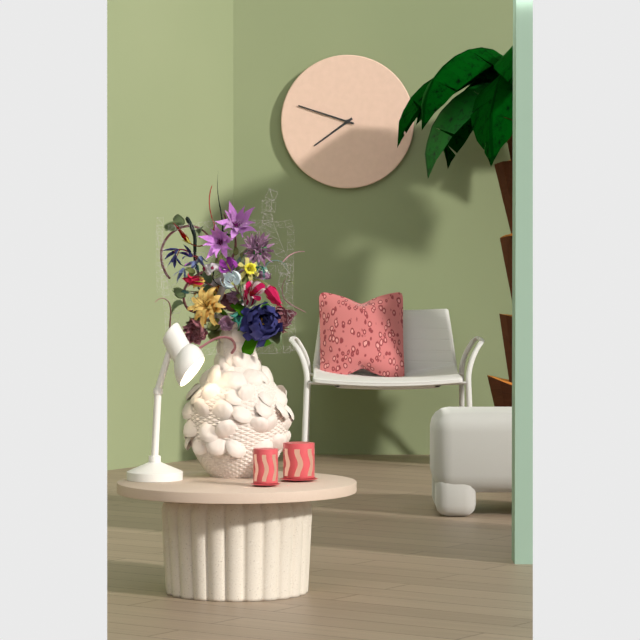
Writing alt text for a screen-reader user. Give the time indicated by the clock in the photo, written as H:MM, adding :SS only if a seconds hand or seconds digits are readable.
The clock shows 7:48
